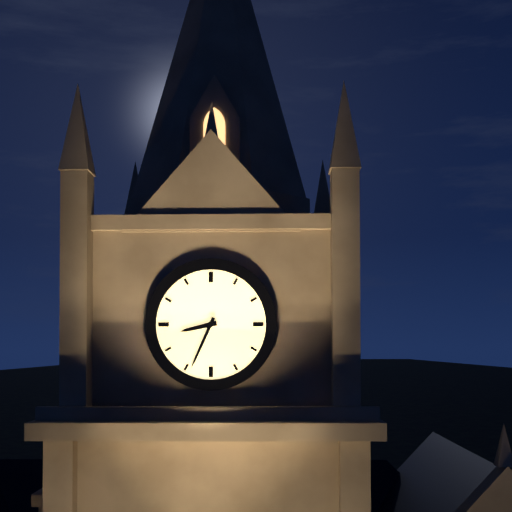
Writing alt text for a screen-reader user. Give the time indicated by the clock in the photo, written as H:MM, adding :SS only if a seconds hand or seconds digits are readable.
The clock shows 8:34
